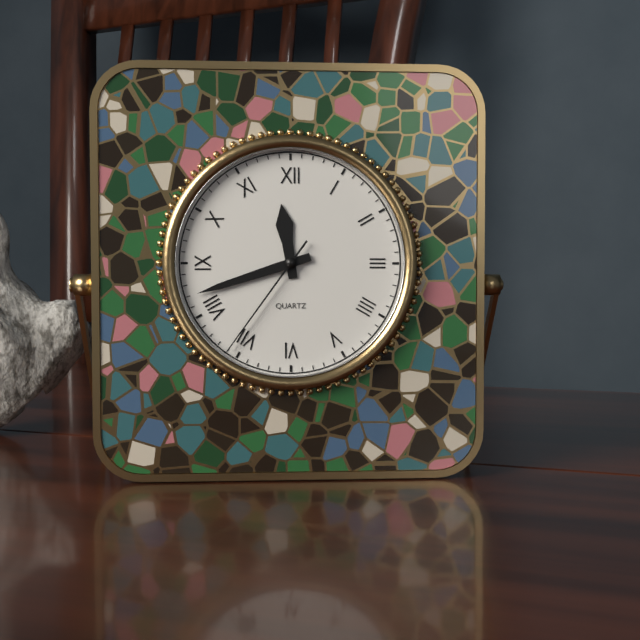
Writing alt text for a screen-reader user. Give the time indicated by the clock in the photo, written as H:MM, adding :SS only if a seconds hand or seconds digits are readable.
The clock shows 11:42:36
